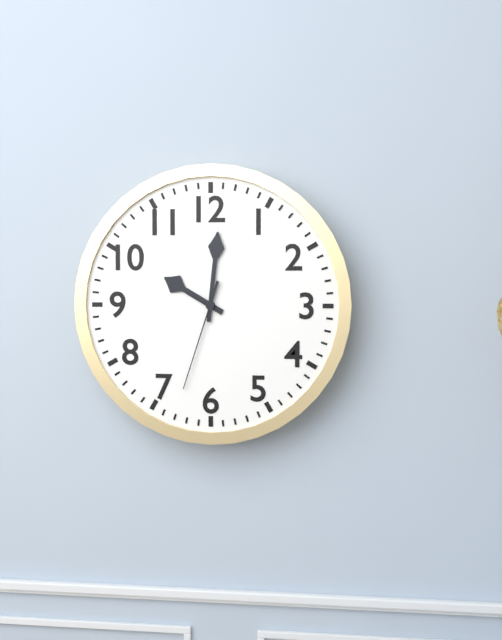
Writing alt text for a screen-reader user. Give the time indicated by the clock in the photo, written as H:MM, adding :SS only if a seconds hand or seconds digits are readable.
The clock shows 10:01:33
